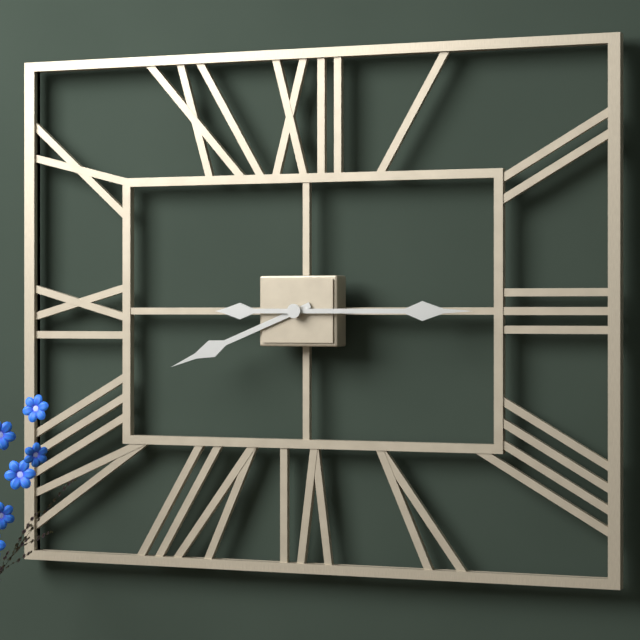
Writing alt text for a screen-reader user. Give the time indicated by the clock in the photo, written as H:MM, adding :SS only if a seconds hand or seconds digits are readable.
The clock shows 8:15
